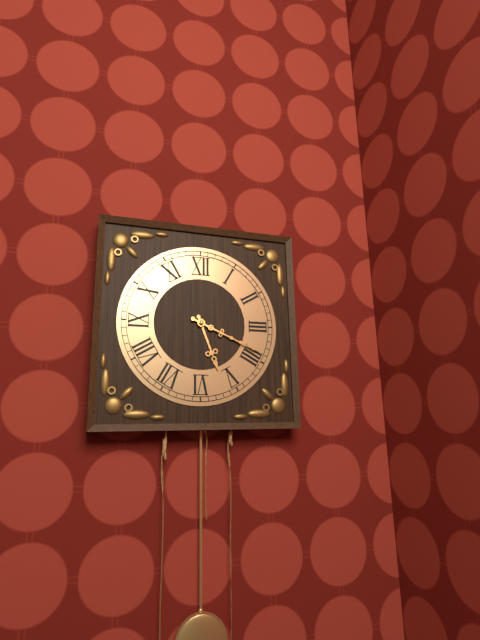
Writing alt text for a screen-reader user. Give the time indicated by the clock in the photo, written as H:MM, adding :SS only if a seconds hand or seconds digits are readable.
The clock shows 5:19
